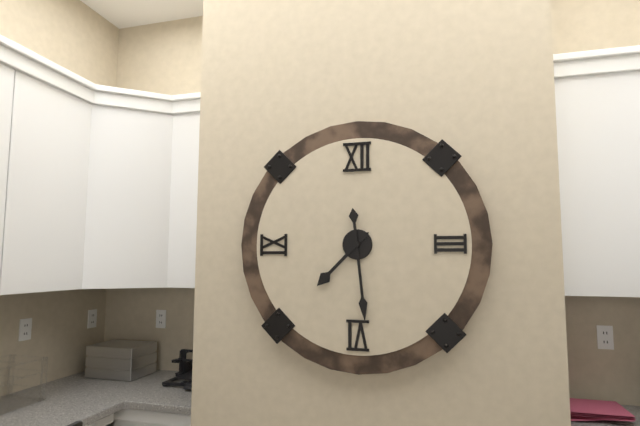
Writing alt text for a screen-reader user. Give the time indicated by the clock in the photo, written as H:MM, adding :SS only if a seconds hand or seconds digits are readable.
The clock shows 7:29
